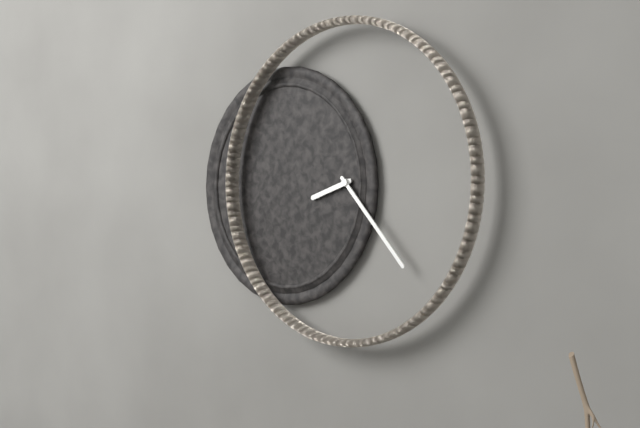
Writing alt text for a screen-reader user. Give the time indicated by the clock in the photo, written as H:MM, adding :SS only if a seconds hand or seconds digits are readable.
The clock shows 8:23
